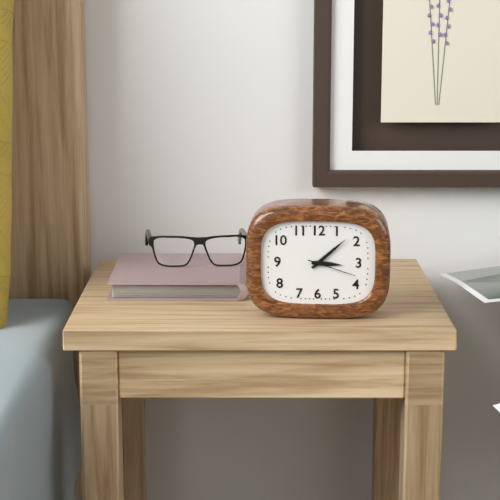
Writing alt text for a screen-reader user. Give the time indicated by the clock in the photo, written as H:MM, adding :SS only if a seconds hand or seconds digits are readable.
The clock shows 3:08
